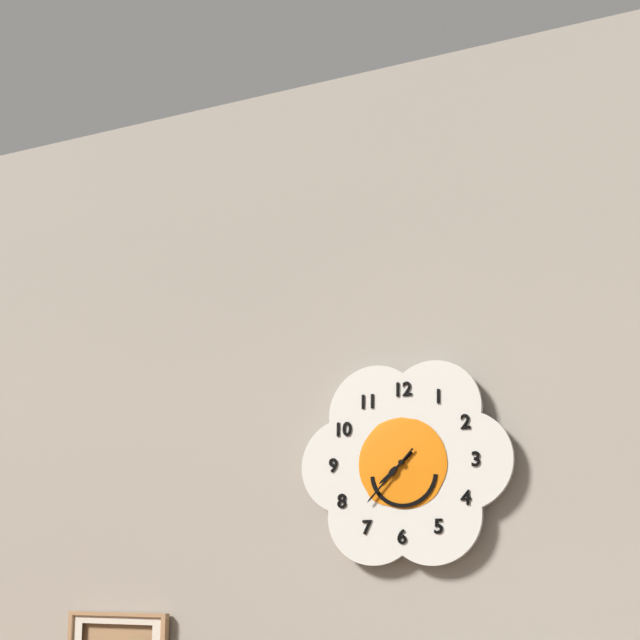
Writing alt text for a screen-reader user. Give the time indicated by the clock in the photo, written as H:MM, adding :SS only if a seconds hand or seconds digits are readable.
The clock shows 7:37
